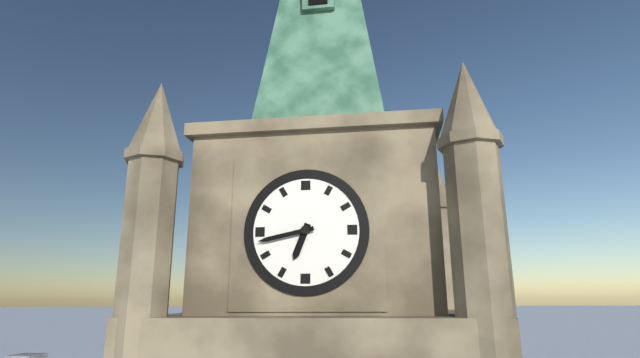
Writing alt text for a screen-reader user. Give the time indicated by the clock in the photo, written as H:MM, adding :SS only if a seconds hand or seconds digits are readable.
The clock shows 6:43
